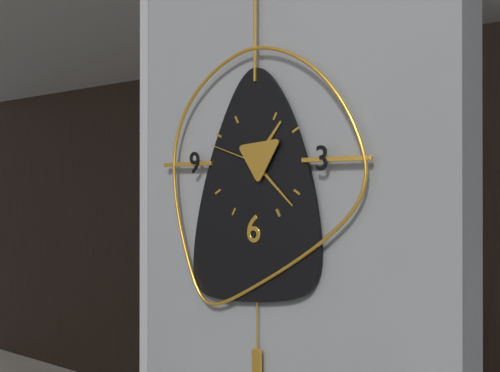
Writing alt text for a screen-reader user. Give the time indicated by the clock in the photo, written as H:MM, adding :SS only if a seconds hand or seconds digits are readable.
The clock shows 1:22:48
